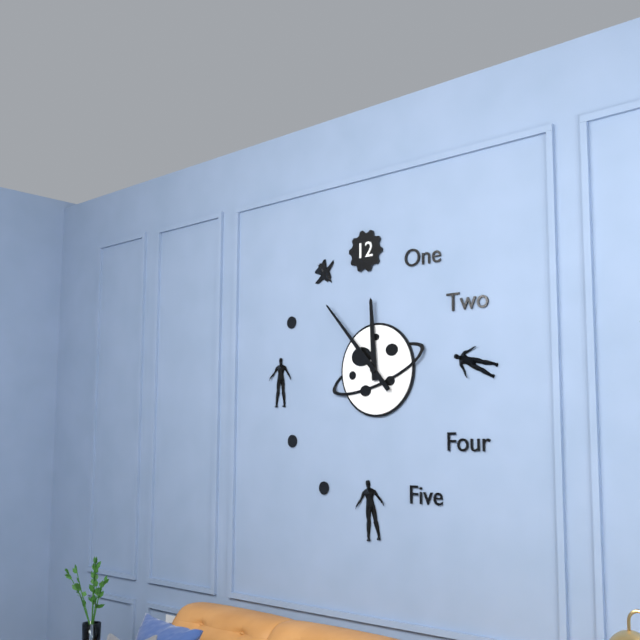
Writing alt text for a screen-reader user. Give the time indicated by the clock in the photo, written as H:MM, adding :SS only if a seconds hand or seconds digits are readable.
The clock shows 11:53
